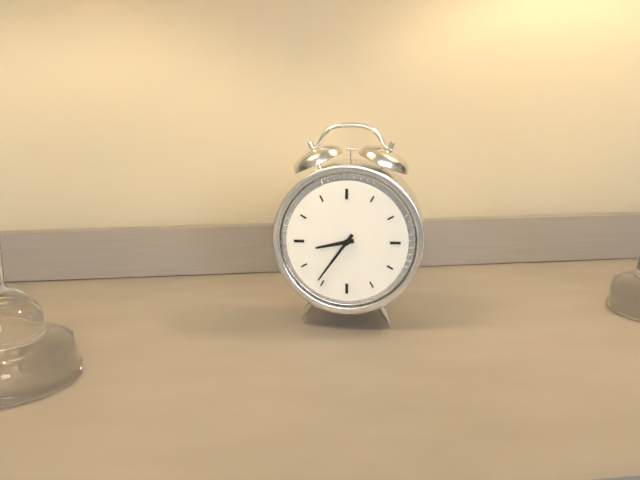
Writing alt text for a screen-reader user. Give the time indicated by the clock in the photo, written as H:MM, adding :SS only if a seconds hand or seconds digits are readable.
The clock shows 8:36
